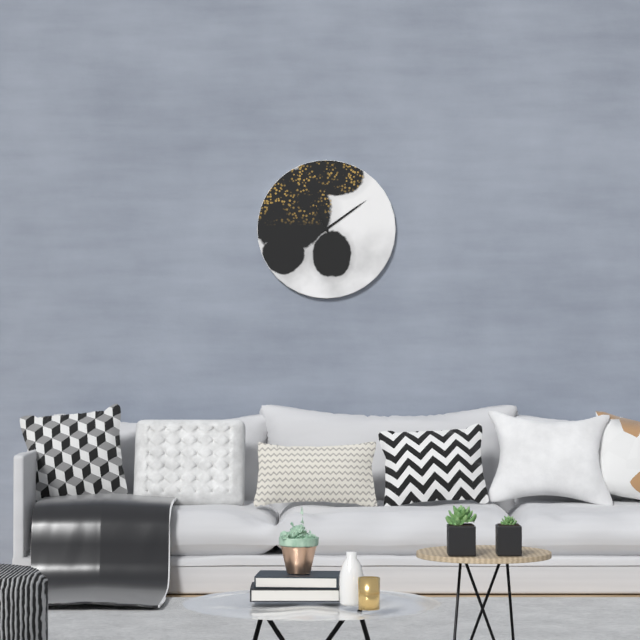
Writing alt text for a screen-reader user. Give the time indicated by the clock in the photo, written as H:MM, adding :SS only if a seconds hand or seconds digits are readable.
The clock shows 11:09
